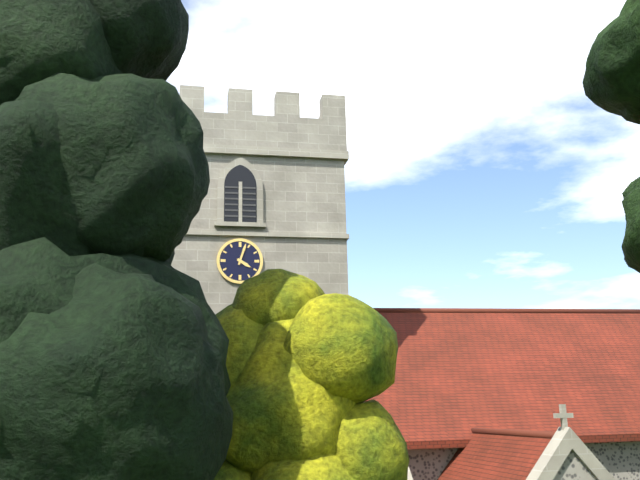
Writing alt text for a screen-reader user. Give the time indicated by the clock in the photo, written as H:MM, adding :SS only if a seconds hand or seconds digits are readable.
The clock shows 4:03
